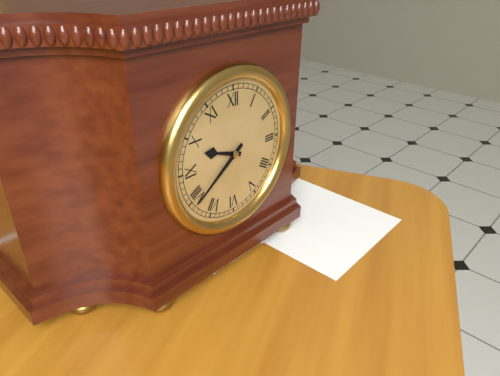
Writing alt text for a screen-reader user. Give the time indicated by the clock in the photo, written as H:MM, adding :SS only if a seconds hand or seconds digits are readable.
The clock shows 9:39
